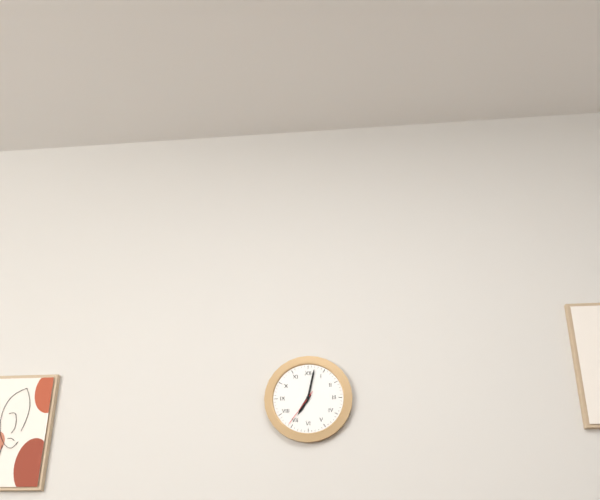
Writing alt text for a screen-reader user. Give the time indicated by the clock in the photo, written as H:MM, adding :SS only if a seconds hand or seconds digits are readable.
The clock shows 7:02
